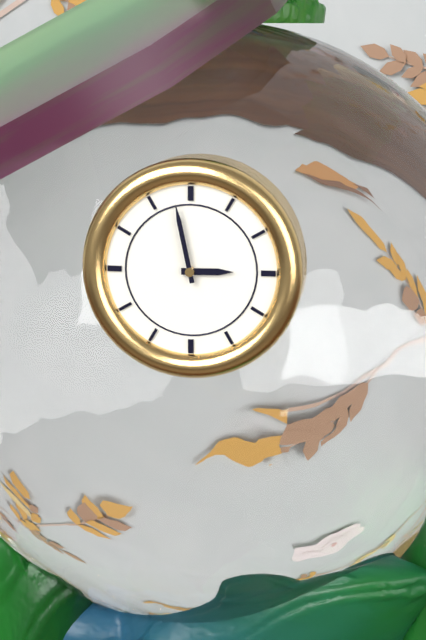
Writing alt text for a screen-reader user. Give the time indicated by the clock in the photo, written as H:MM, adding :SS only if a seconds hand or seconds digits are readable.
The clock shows 2:58
